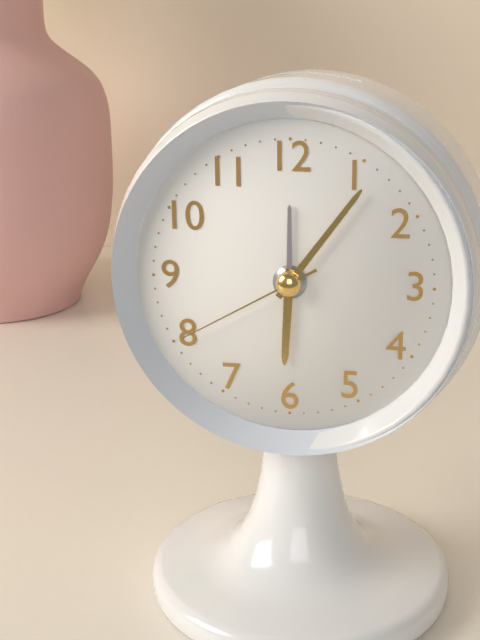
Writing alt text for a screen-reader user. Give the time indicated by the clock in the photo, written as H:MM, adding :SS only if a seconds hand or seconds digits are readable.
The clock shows 6:06:40
